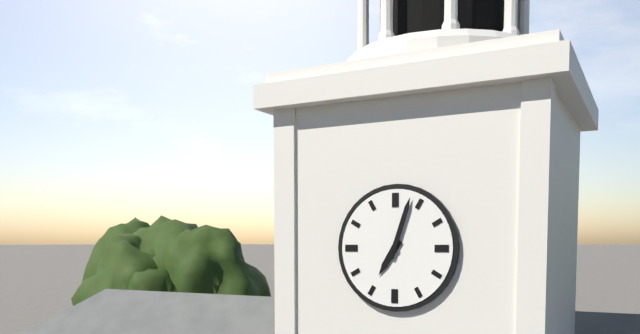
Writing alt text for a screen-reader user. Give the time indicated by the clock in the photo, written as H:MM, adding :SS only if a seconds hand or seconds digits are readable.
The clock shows 7:03
